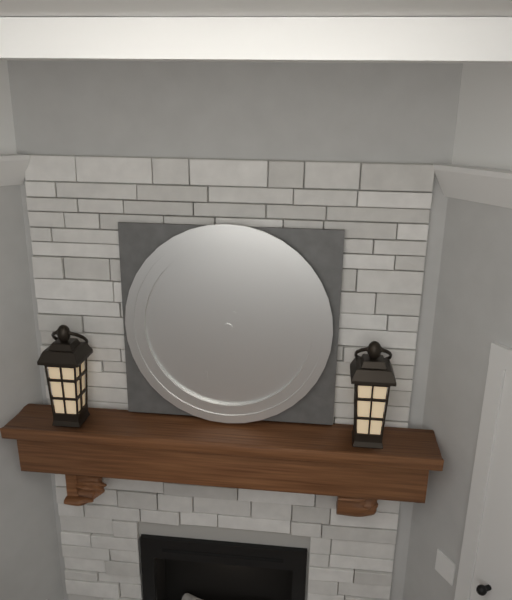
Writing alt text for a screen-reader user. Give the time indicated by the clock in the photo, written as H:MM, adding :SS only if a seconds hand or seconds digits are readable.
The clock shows 1:34
